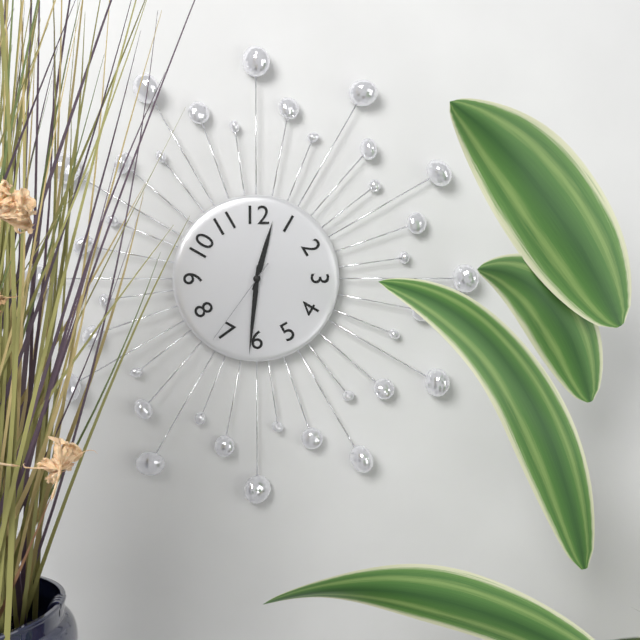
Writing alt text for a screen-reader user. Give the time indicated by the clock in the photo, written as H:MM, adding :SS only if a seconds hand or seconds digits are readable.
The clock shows 12:31:36
